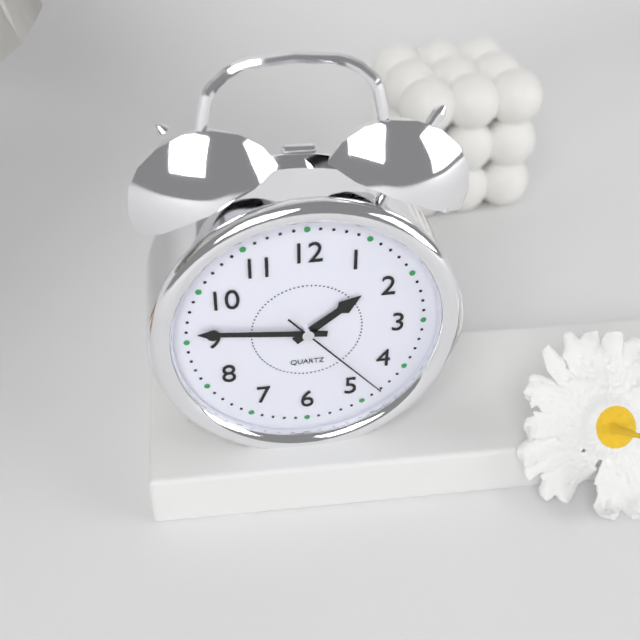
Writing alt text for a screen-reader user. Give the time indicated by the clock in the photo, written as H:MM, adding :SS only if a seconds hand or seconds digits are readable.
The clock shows 1:46:23
